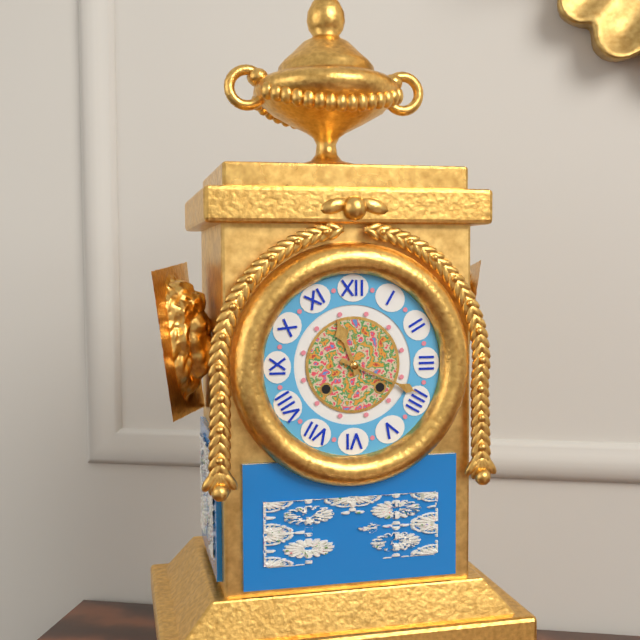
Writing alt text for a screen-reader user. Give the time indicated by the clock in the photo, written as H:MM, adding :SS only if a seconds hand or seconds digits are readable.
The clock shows 11:19
